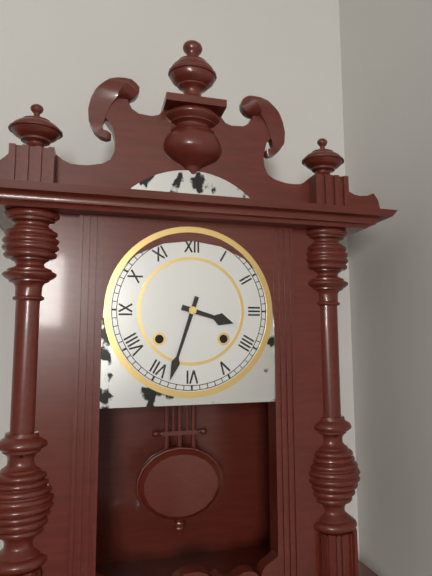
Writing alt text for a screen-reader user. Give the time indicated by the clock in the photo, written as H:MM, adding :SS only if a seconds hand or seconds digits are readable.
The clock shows 3:33
